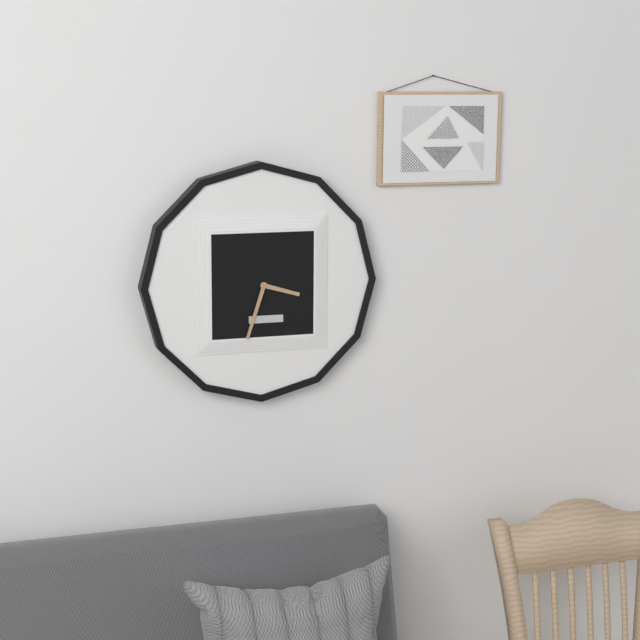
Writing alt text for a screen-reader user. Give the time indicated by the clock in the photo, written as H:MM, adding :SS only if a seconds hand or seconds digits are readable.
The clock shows 3:33
